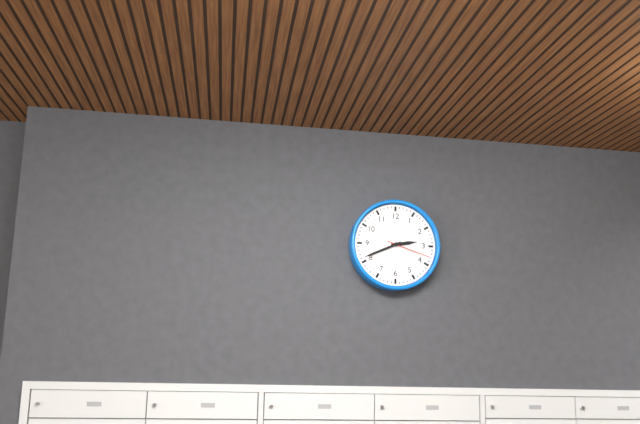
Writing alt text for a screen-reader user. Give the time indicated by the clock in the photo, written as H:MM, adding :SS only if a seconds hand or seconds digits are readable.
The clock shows 2:41
